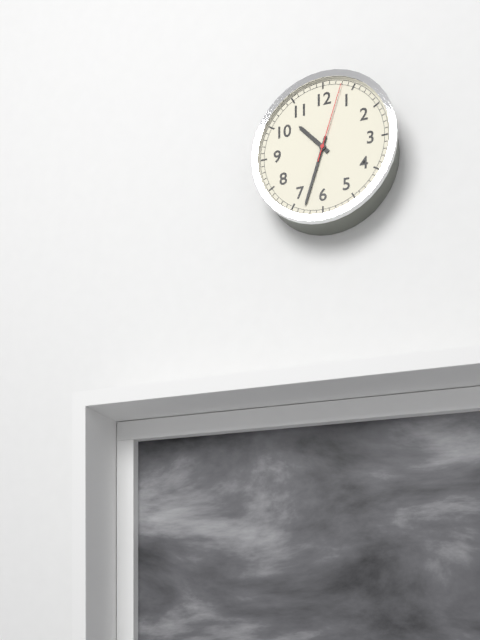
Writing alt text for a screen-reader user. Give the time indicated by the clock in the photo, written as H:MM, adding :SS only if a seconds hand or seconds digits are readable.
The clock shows 10:33:03
